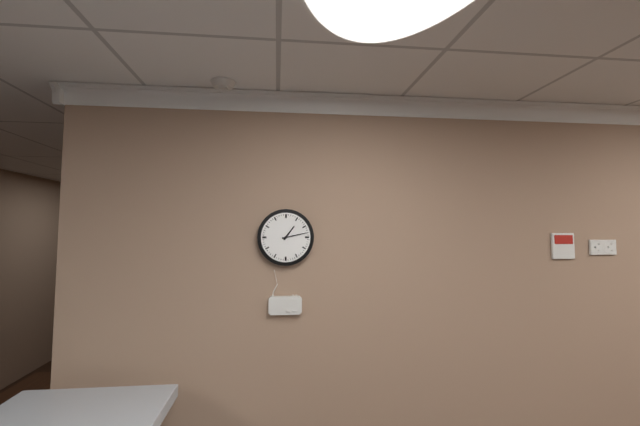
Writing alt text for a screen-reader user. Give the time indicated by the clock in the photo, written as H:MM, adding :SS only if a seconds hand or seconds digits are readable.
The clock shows 1:13
